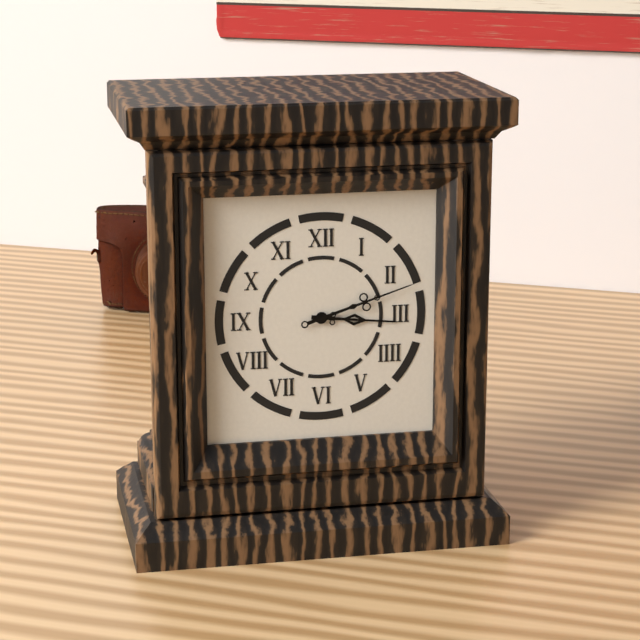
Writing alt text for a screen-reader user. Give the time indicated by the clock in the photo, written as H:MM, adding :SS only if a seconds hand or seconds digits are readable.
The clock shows 3:12
